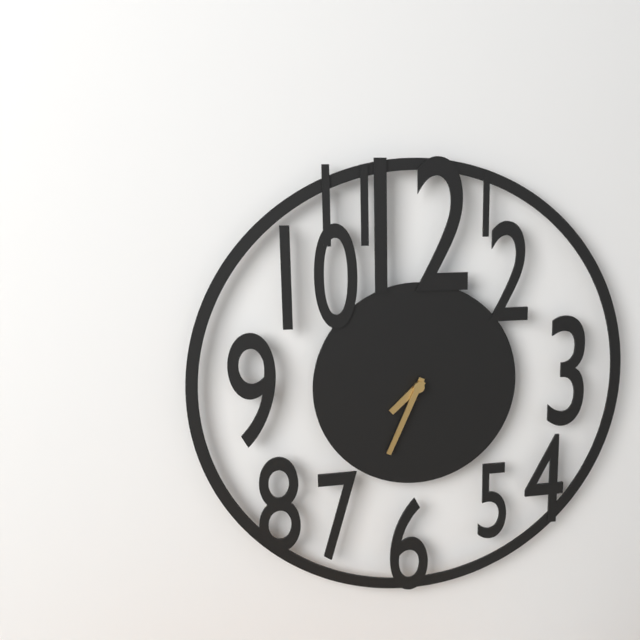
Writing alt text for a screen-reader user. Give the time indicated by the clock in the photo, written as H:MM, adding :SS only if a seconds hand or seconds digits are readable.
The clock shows 7:34
